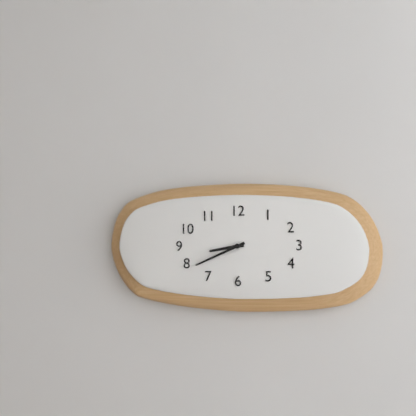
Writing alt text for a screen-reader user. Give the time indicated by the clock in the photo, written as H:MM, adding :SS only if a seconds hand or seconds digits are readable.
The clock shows 8:41
